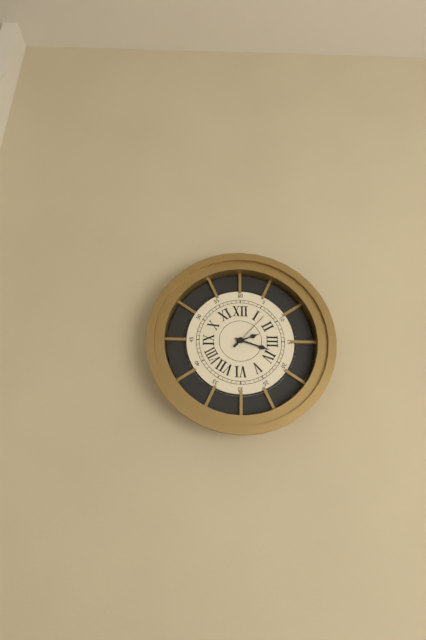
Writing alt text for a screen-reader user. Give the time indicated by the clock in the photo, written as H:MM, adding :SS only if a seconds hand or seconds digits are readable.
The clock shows 2:18
